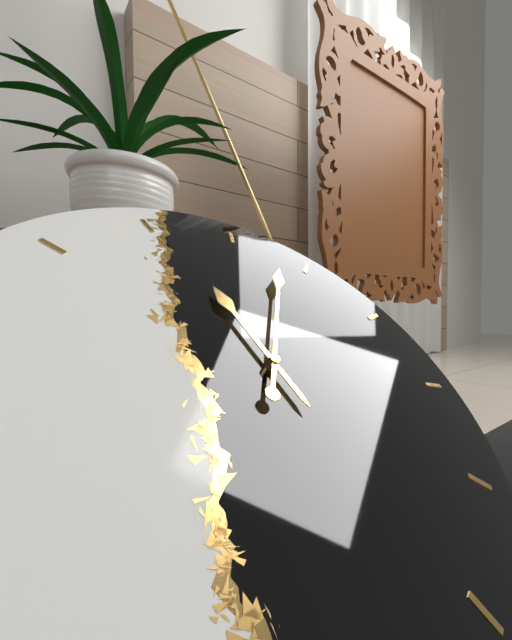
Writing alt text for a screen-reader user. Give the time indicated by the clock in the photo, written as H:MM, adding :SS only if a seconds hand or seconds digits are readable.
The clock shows 12:08
